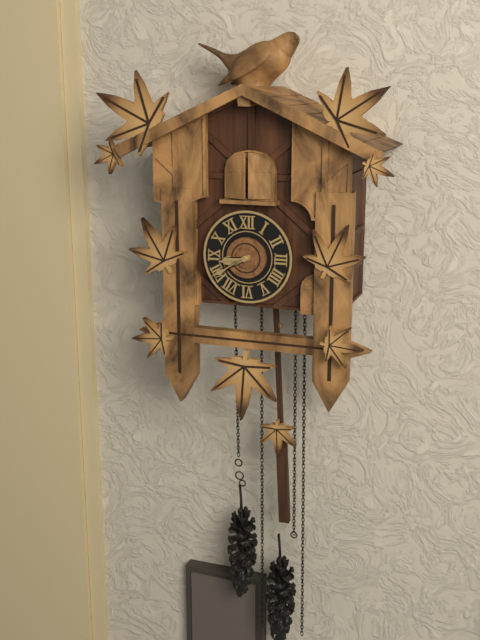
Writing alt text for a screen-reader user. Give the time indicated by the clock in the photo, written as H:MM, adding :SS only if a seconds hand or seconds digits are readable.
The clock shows 8:40
